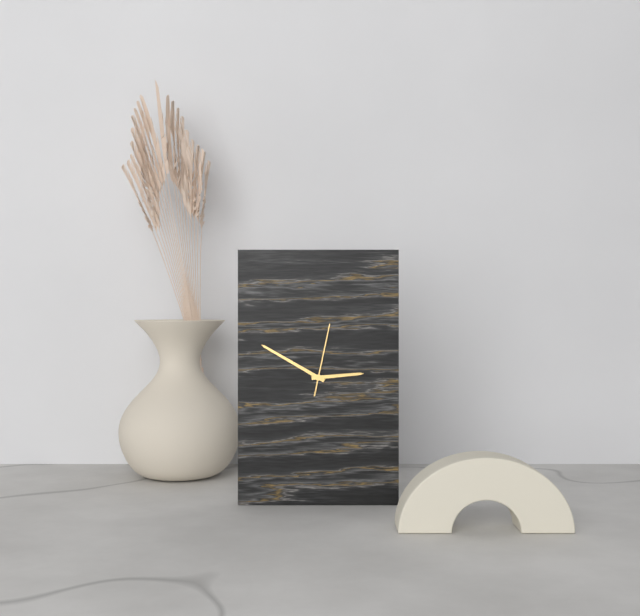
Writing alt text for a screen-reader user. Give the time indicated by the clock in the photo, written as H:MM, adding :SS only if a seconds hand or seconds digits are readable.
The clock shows 2:50:02
